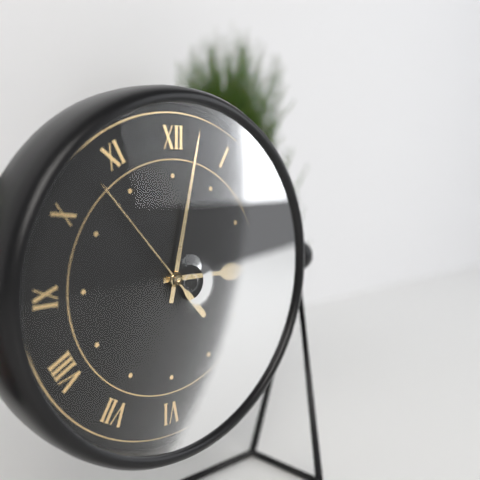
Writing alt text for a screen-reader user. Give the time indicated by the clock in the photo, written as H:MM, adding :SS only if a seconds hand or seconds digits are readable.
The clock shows 3:02:53
